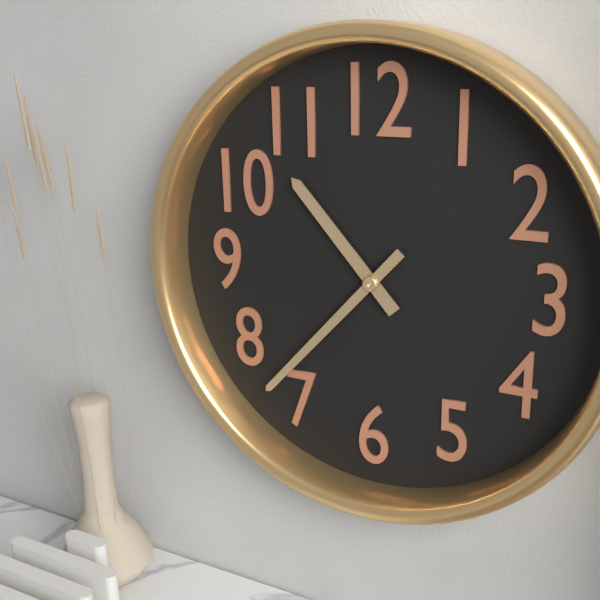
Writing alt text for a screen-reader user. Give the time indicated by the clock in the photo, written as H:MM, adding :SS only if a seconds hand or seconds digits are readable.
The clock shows 10:37
